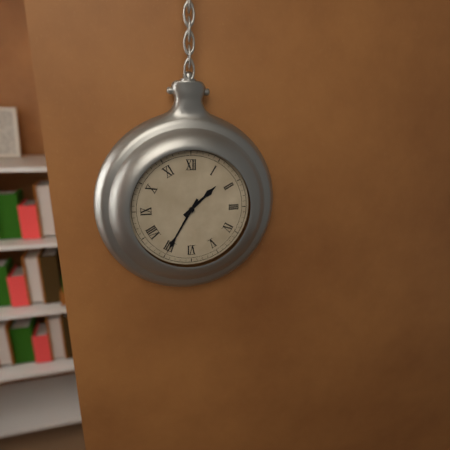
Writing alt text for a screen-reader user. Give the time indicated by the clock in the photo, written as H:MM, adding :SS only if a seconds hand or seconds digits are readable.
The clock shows 1:35
